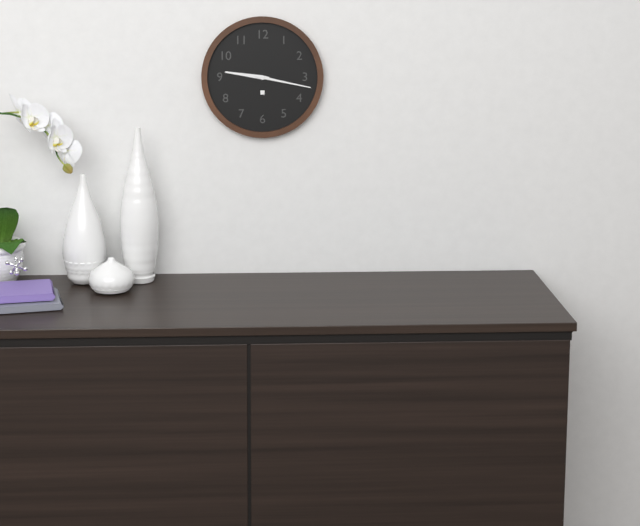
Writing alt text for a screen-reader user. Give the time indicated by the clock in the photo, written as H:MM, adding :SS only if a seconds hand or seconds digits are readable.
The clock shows 9:17
